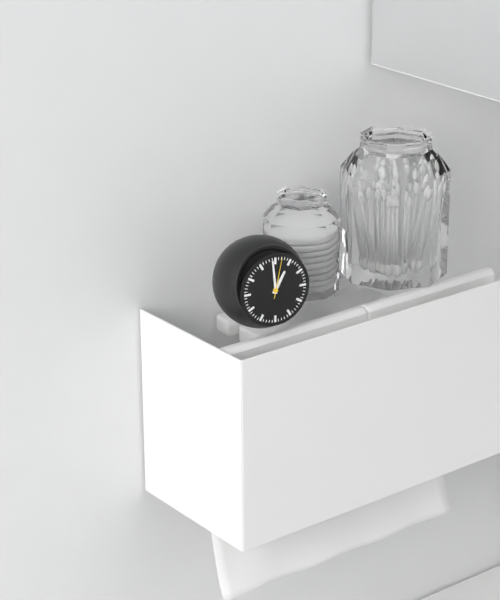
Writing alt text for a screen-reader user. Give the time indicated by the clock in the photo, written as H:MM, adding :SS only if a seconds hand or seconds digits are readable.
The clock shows 12:59
